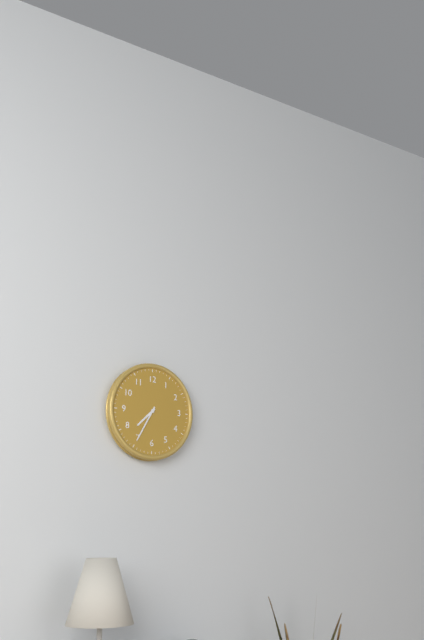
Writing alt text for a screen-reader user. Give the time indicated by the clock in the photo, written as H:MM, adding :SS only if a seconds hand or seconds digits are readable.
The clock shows 7:35
